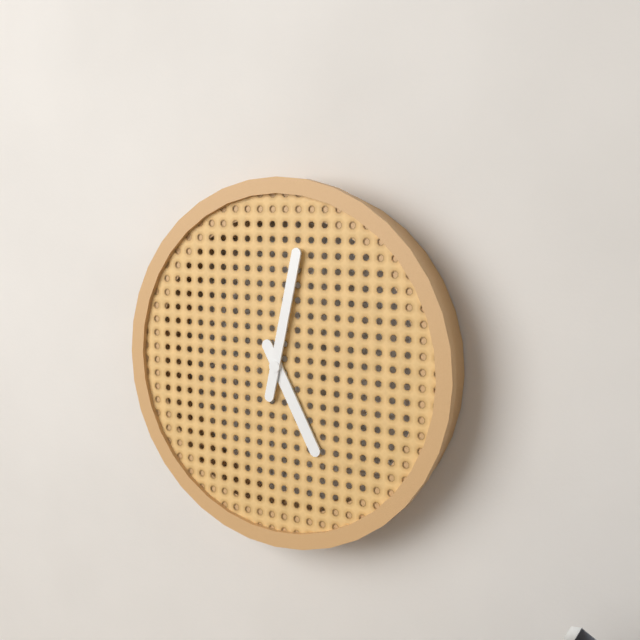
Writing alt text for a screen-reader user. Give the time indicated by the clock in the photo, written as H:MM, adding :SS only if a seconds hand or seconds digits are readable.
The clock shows 5:02
